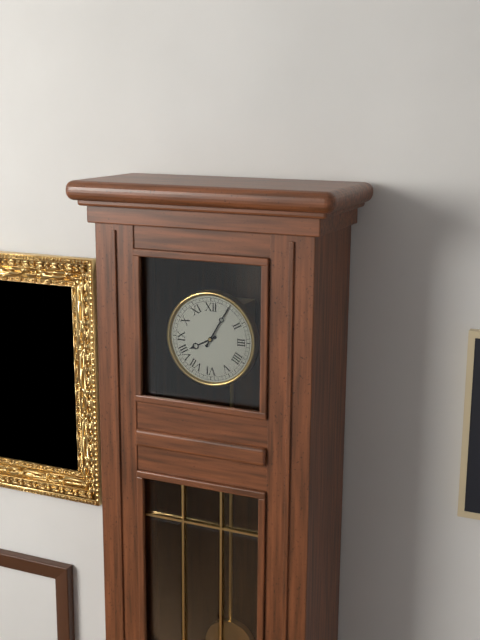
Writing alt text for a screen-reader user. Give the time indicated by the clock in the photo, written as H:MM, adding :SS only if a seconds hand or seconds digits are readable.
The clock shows 8:05
